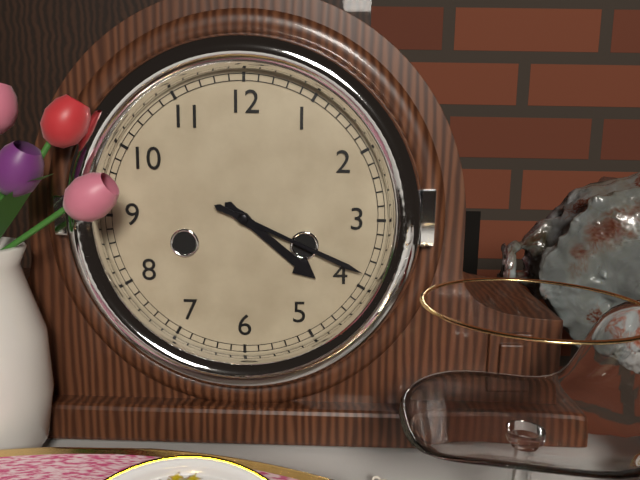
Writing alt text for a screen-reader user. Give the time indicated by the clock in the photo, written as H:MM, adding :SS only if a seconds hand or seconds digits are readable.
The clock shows 4:19
